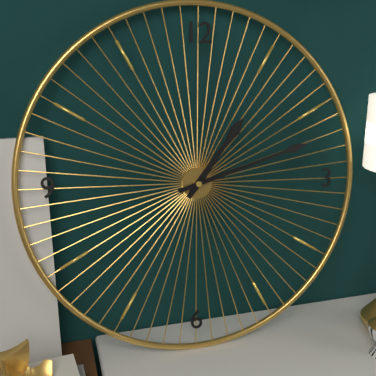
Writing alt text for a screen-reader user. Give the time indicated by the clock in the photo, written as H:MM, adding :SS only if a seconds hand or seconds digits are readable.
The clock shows 1:12
